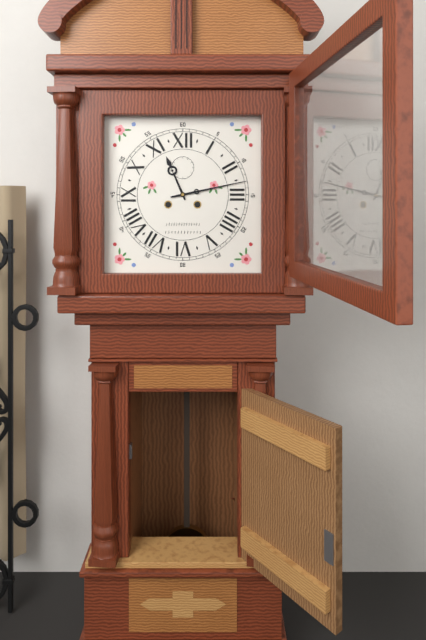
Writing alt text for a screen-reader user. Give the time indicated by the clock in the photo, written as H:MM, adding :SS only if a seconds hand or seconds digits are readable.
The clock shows 11:13
